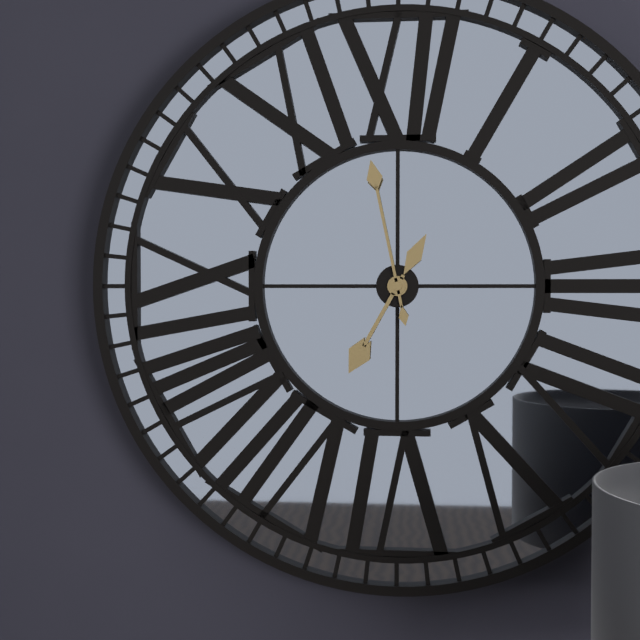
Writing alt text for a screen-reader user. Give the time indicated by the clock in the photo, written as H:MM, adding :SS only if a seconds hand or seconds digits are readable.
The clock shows 6:58
